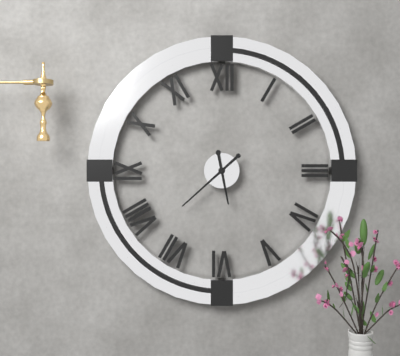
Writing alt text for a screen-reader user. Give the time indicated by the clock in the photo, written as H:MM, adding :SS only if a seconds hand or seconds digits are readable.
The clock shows 5:38
